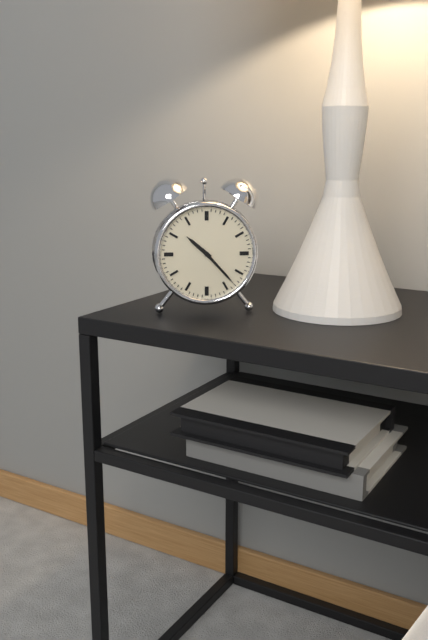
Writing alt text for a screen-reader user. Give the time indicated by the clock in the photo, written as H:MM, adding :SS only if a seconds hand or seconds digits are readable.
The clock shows 10:23
